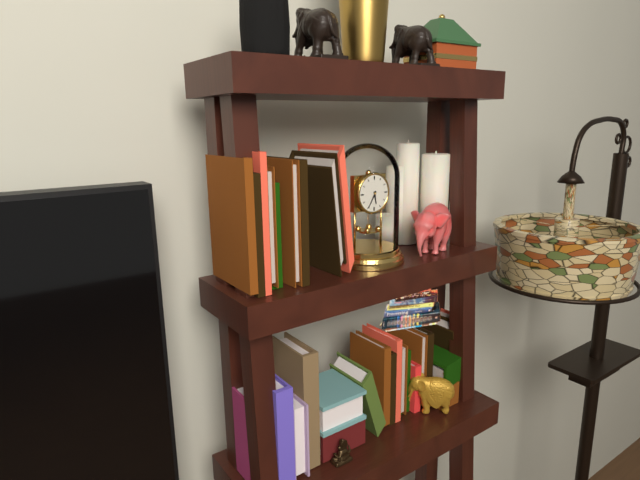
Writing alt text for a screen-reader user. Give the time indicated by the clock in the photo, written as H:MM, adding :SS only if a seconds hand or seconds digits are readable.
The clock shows 5:35
